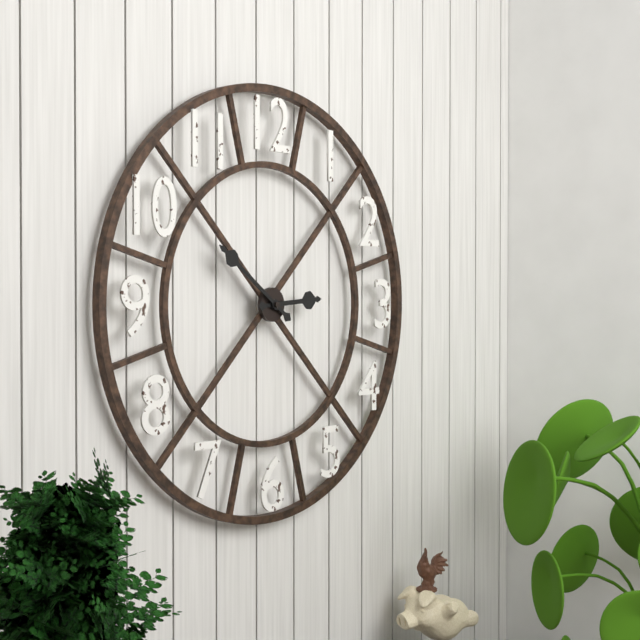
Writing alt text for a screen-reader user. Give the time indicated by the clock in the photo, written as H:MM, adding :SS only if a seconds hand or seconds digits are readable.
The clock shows 2:51
